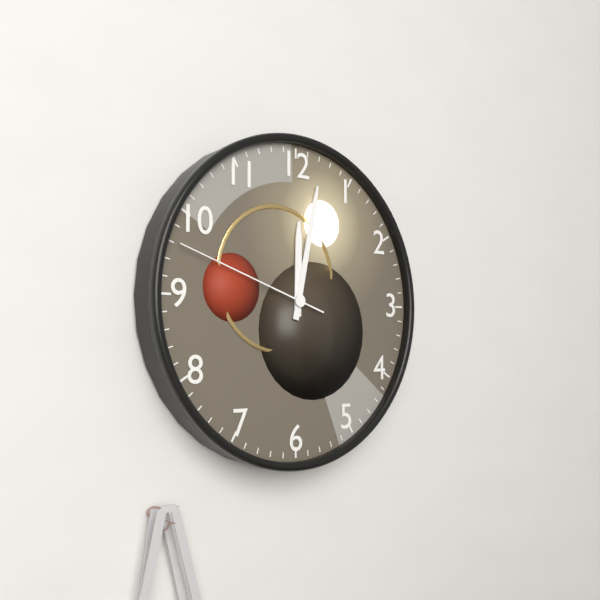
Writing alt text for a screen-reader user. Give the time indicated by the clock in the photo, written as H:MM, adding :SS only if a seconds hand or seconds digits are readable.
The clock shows 12:02:48
